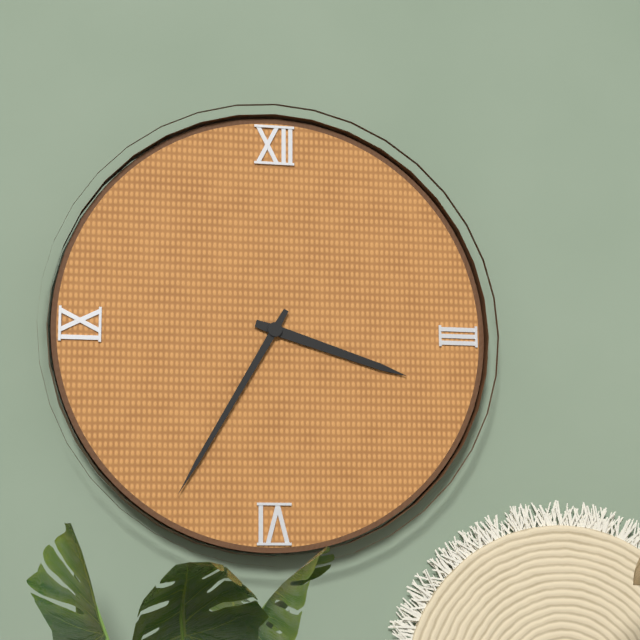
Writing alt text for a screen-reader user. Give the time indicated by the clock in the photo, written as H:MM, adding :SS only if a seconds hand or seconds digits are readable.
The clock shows 3:35
